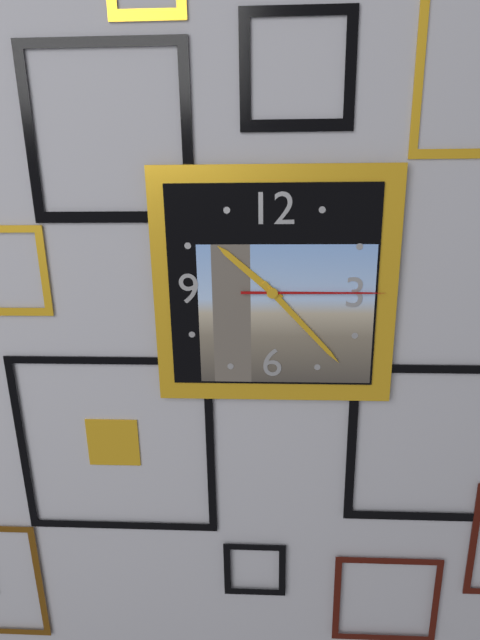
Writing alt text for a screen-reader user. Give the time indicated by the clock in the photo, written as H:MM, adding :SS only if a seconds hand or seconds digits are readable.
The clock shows 10:23:15
